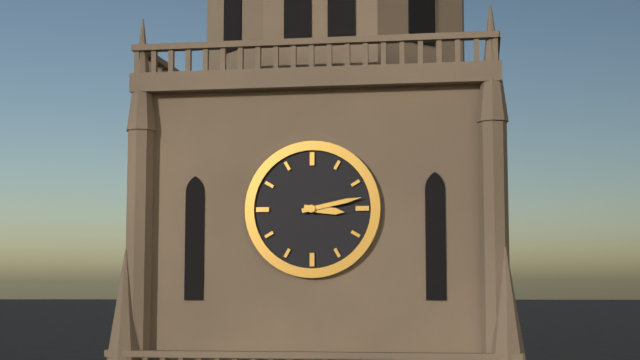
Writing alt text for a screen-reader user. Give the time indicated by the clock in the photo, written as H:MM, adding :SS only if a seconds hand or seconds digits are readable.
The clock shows 3:13
